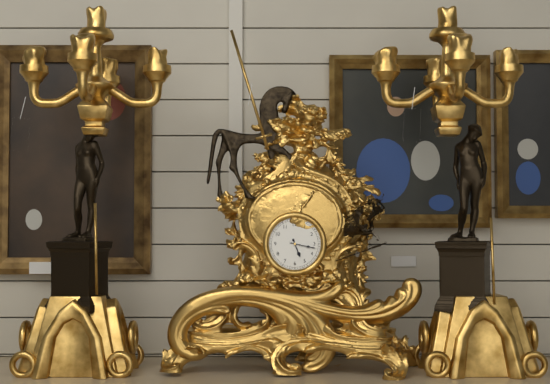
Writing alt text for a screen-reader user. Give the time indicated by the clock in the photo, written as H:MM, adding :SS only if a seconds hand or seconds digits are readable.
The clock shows 5:17
